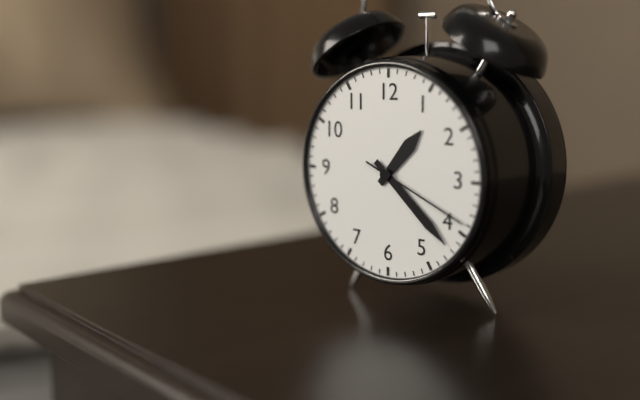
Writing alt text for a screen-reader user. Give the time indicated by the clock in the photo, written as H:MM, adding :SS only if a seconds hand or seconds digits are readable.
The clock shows 1:22:19
